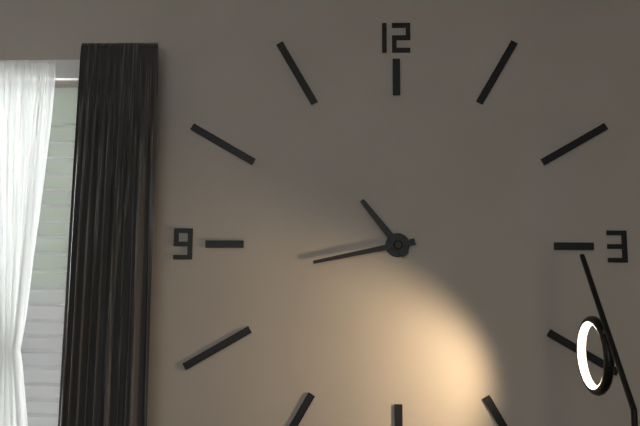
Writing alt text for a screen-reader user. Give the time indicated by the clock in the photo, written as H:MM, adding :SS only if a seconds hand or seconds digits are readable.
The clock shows 10:43
